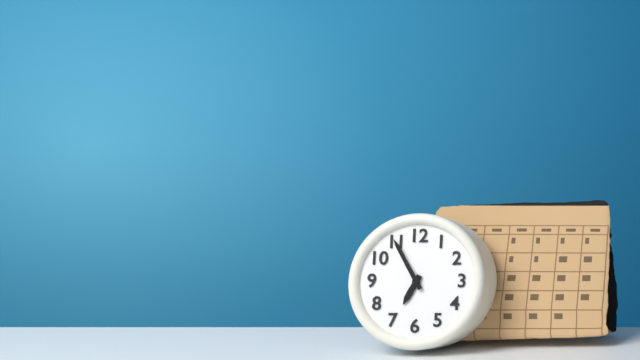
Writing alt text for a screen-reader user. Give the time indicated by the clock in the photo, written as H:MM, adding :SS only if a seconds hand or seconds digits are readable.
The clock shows 6:55
